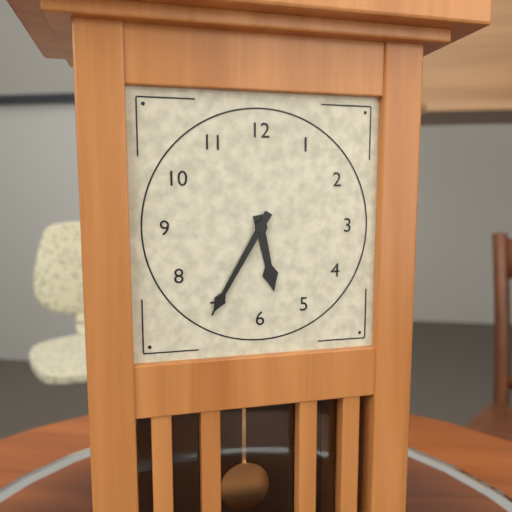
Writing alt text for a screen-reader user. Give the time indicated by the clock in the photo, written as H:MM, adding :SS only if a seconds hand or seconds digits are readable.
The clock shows 5:35
